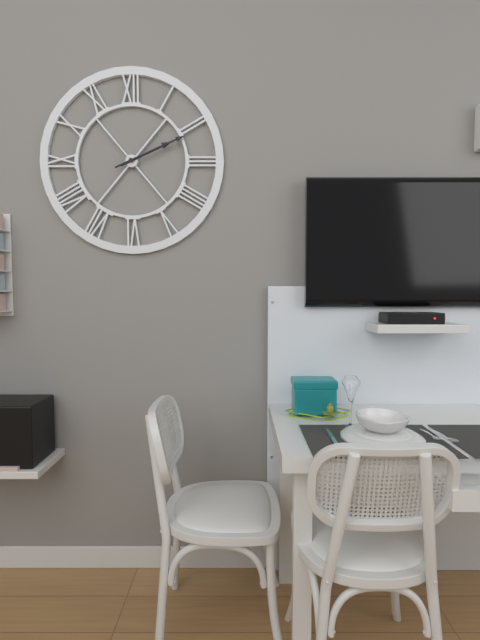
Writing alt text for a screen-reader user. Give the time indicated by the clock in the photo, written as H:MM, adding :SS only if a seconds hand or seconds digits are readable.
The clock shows 2:11
